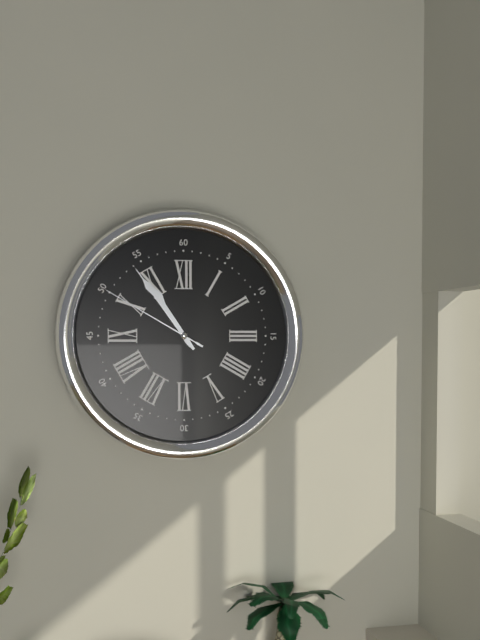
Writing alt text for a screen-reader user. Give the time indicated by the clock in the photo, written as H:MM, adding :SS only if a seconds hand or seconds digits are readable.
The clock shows 10:54:50
